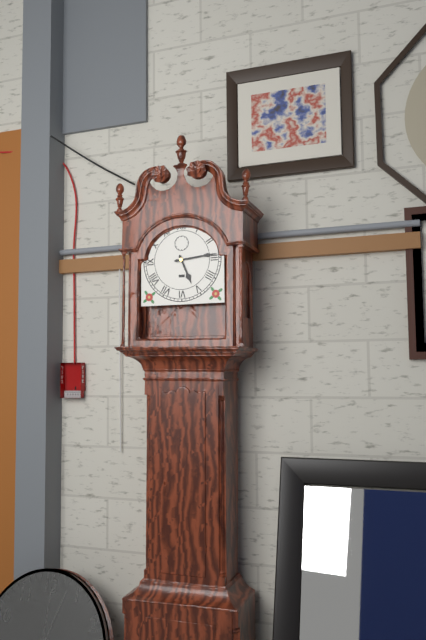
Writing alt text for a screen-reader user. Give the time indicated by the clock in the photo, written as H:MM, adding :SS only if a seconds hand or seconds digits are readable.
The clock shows 5:14
